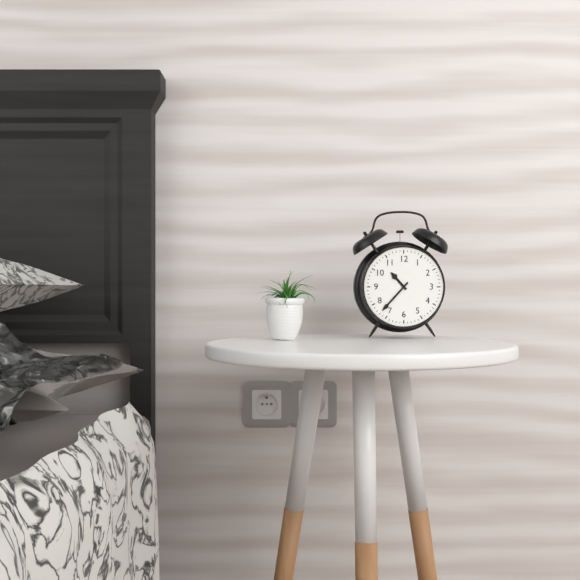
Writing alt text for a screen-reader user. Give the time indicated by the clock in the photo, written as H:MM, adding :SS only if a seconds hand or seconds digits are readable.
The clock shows 10:37
